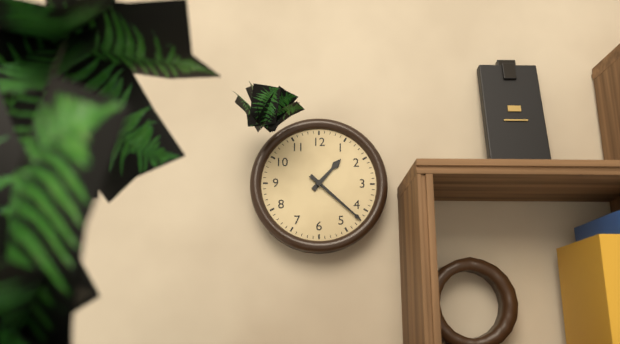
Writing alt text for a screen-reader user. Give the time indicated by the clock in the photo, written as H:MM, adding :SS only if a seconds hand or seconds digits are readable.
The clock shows 1:22
